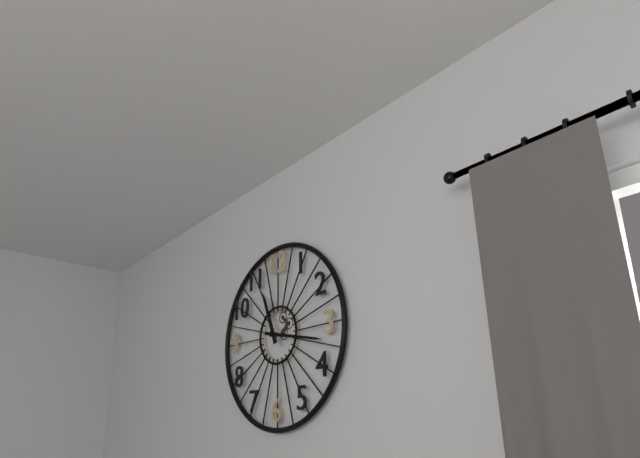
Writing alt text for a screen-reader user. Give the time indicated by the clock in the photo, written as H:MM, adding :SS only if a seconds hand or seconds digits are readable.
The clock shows 11:17
